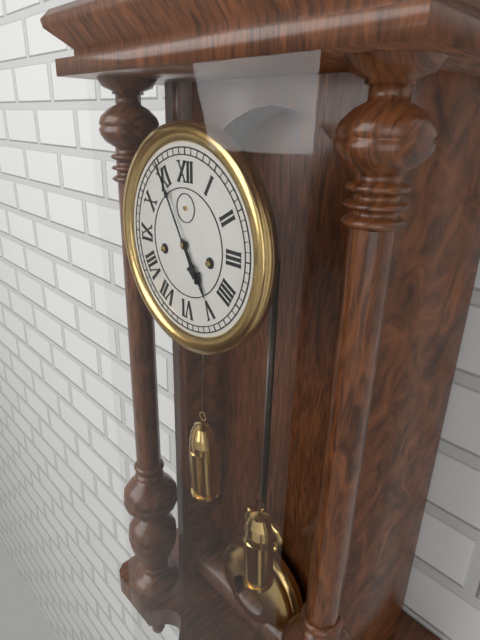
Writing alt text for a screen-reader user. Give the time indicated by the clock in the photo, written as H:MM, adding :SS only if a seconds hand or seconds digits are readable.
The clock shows 4:55
